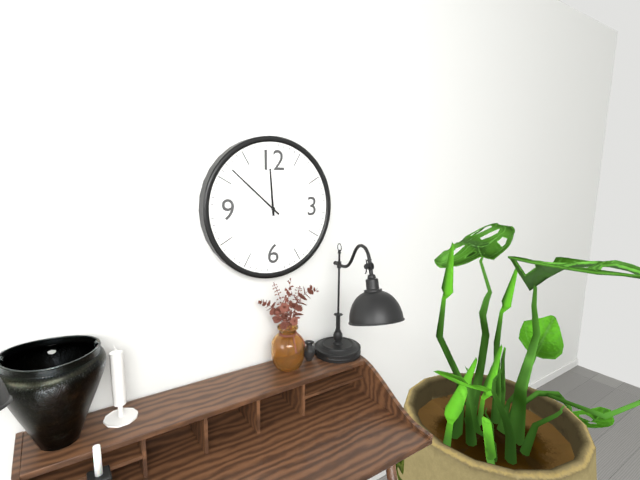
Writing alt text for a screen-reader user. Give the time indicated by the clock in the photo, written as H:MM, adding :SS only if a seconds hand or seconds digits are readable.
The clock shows 11:52
